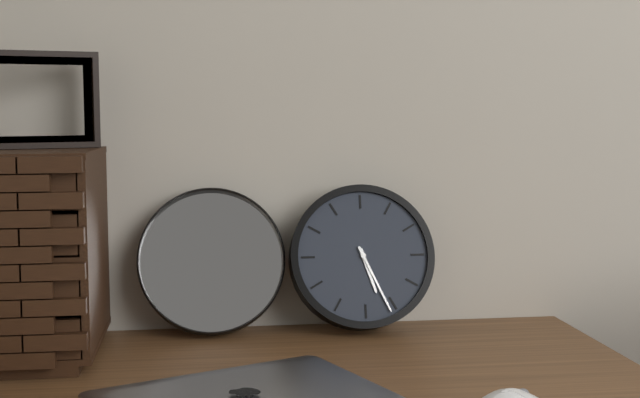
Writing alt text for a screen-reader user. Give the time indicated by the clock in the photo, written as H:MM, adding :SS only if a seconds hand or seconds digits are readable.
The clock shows 5:26
